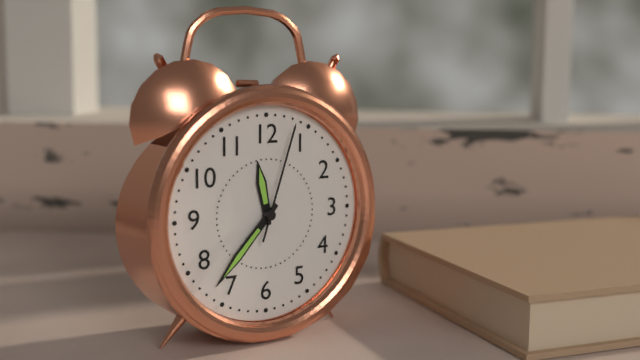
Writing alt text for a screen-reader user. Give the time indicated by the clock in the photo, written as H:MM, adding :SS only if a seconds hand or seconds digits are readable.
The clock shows 11:37:03
